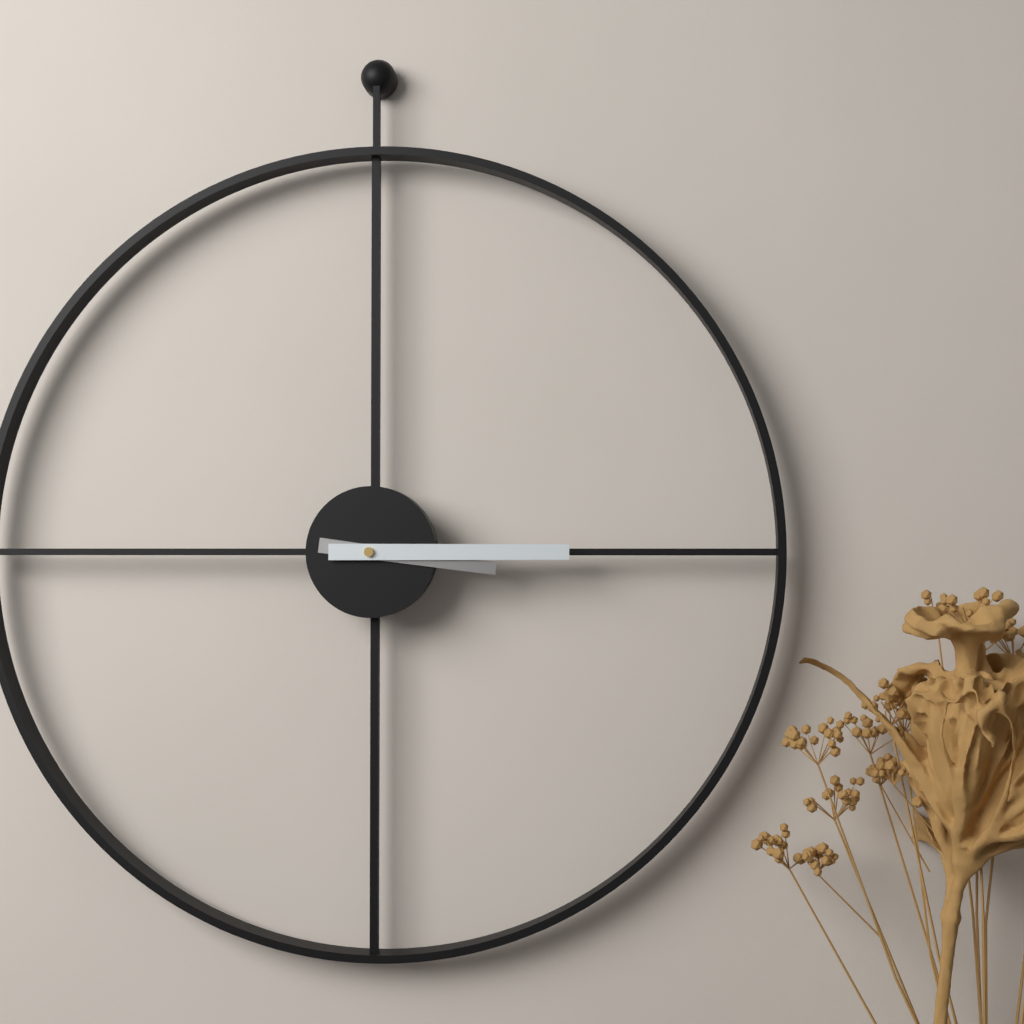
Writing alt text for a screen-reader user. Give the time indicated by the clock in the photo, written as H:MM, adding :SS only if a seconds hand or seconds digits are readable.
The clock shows 3:15
